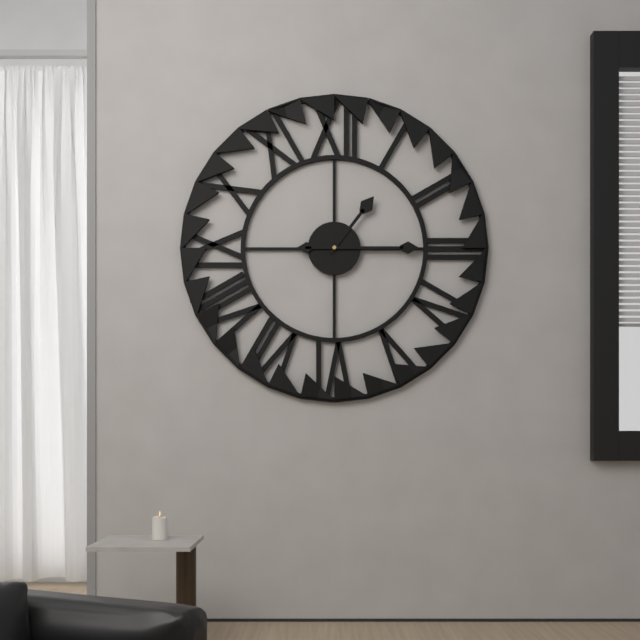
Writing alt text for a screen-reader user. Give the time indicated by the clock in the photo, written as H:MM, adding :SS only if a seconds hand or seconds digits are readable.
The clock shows 1:15
